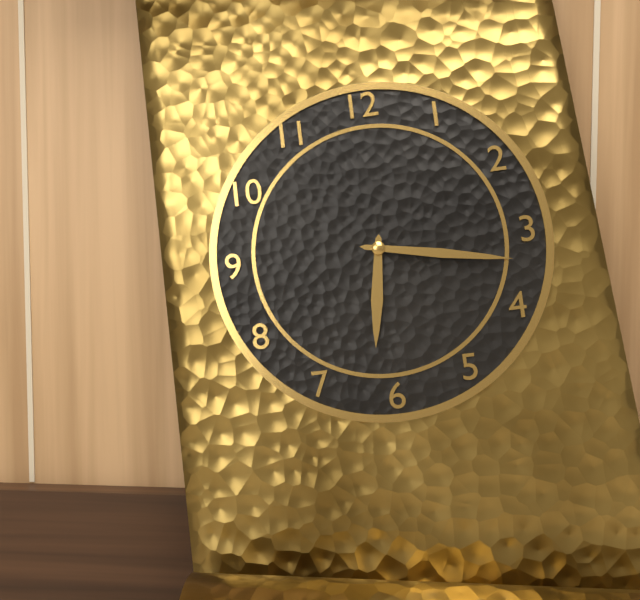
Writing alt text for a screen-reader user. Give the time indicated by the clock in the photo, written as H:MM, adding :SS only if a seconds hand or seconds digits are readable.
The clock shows 6:17
